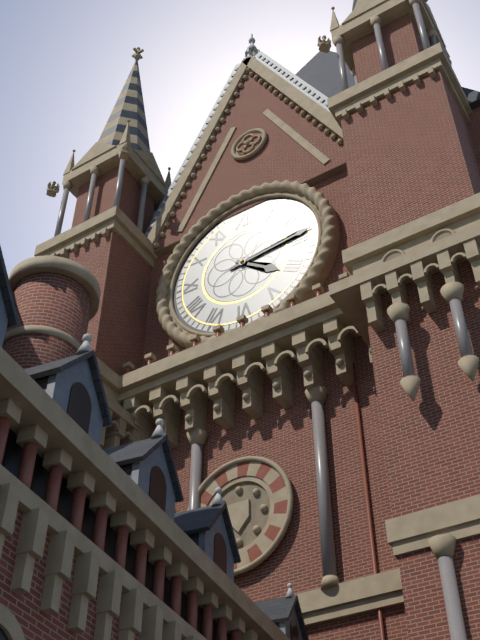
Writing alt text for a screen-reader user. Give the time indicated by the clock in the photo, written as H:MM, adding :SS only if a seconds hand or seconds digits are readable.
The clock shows 4:14
